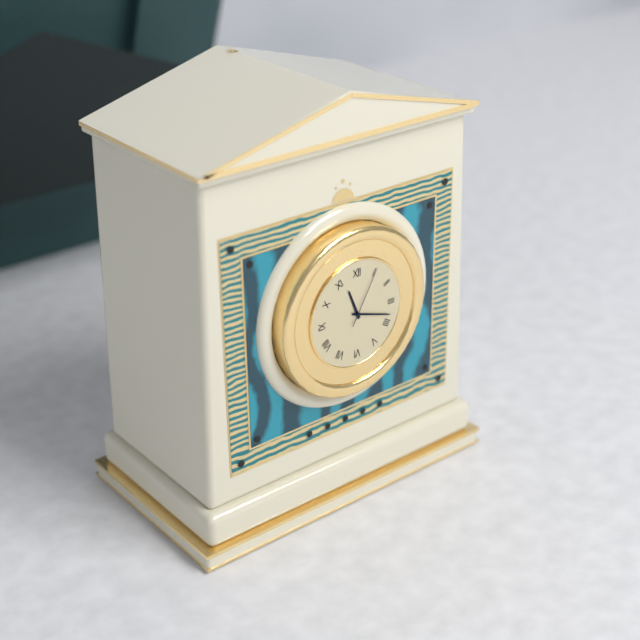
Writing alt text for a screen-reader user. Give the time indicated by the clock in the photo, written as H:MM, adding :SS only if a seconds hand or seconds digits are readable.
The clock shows 11:18:05
